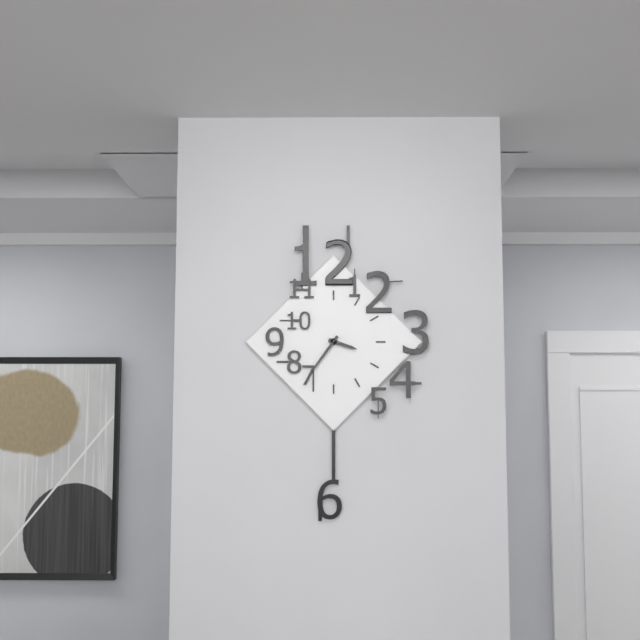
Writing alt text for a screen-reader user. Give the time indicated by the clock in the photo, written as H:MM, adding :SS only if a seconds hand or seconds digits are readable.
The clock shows 3:36
